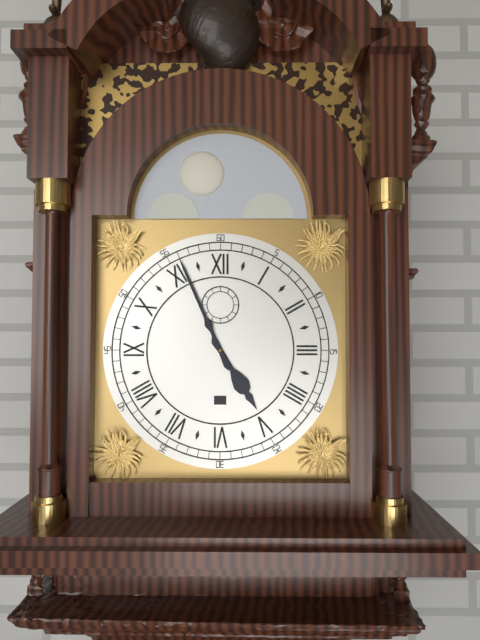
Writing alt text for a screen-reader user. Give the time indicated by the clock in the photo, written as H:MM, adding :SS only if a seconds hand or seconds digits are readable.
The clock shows 4:56
